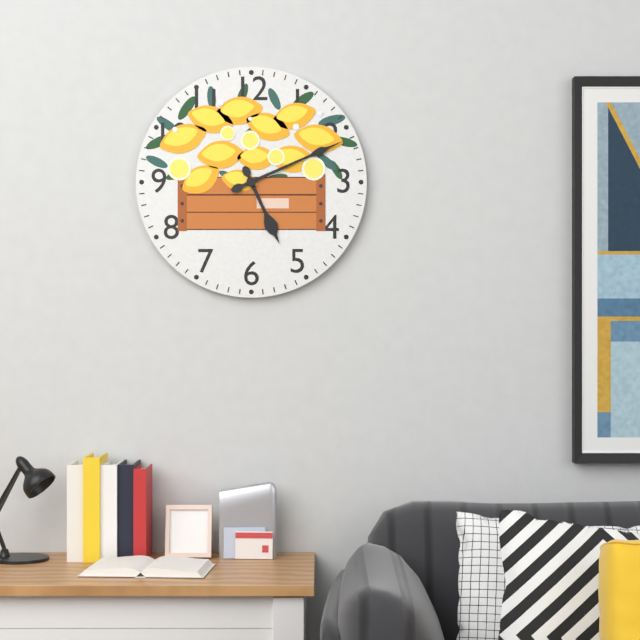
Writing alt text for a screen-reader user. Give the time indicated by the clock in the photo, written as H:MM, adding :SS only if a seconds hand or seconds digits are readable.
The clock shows 5:11
